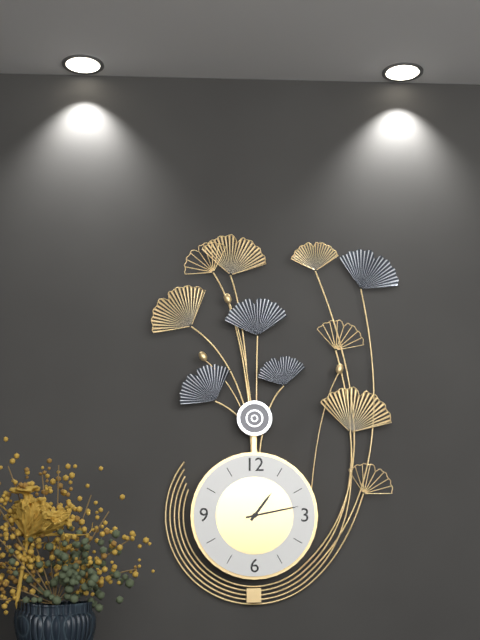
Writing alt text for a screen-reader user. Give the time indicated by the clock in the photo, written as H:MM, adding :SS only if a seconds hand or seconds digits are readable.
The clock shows 1:13
